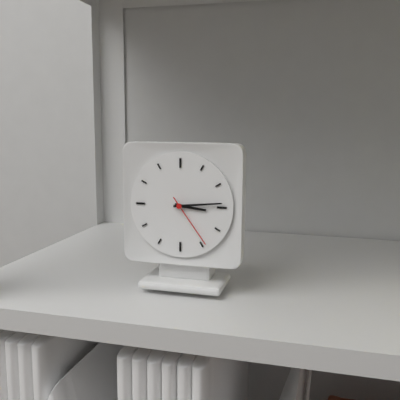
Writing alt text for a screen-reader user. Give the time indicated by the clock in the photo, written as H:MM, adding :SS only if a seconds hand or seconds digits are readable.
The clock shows 3:14:24
